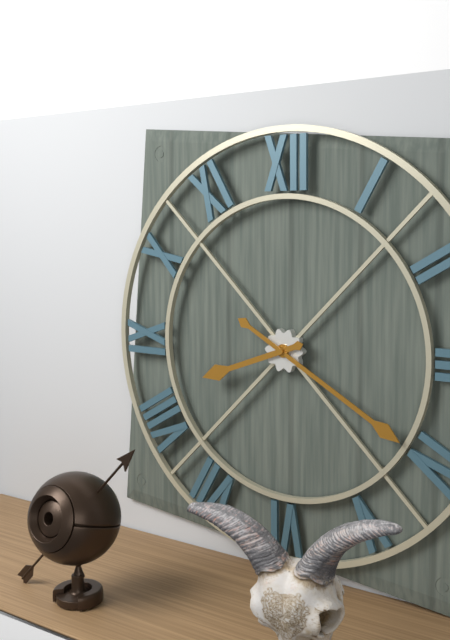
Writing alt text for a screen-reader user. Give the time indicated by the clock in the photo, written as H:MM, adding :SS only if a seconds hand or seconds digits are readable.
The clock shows 8:20
